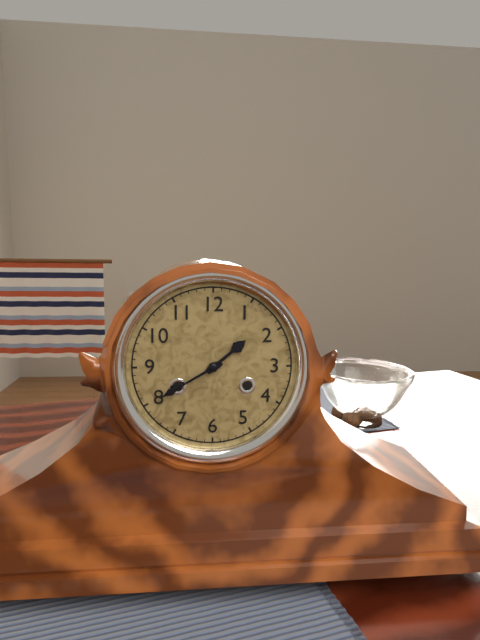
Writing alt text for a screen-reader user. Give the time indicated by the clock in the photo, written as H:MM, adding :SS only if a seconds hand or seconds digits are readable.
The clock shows 1:40
